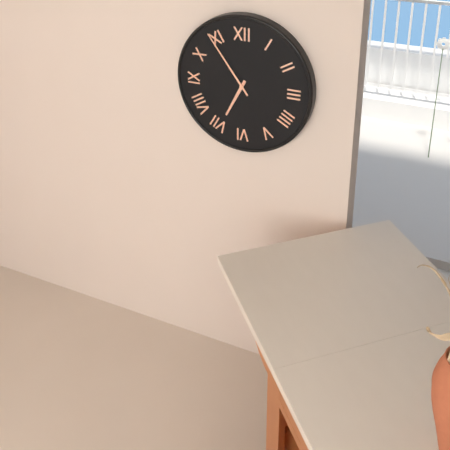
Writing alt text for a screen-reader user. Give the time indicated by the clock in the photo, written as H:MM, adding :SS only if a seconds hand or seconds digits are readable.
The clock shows 6:54
